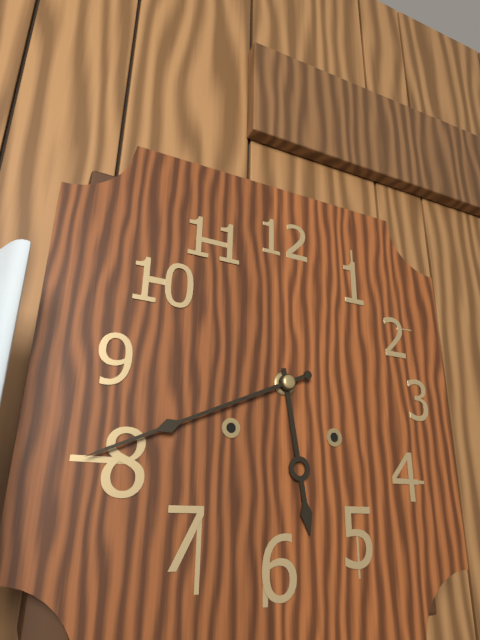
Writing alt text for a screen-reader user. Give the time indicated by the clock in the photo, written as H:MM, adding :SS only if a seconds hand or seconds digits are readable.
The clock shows 5:41
